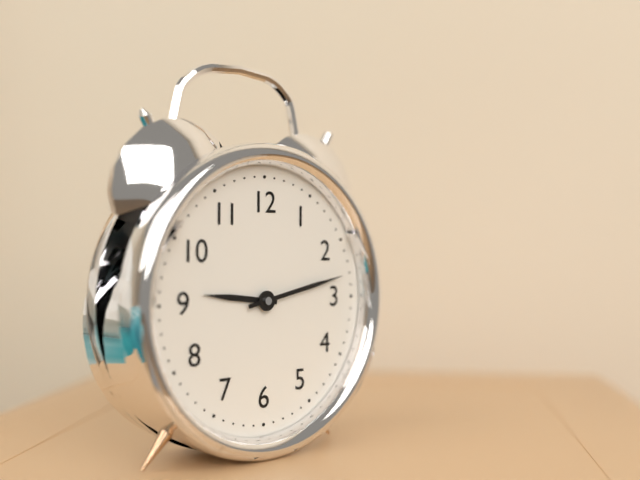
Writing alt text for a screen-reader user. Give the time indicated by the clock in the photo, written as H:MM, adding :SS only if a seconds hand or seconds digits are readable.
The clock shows 9:13
